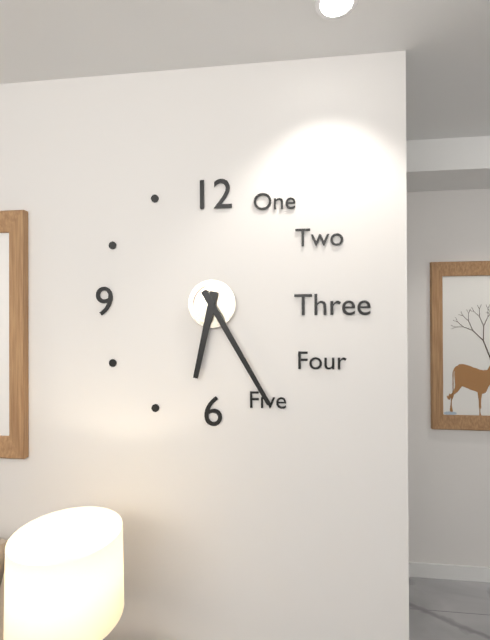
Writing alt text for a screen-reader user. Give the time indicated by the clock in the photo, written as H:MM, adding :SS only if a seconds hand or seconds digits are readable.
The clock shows 6:25
